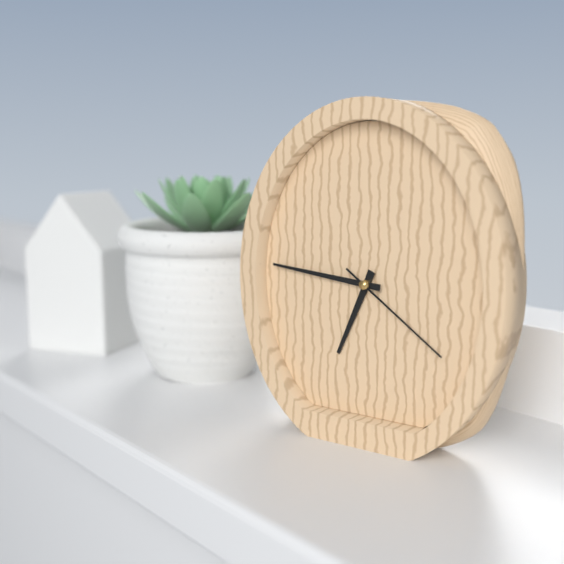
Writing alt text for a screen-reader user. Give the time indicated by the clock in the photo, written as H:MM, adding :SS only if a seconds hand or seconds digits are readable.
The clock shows 6:46:21
